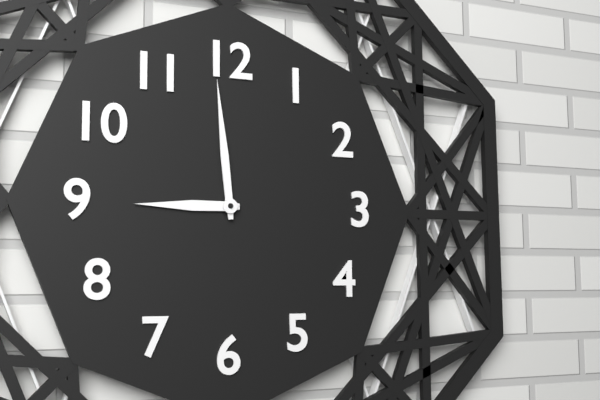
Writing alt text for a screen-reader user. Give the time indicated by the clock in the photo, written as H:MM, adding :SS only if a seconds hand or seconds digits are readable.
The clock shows 8:59
